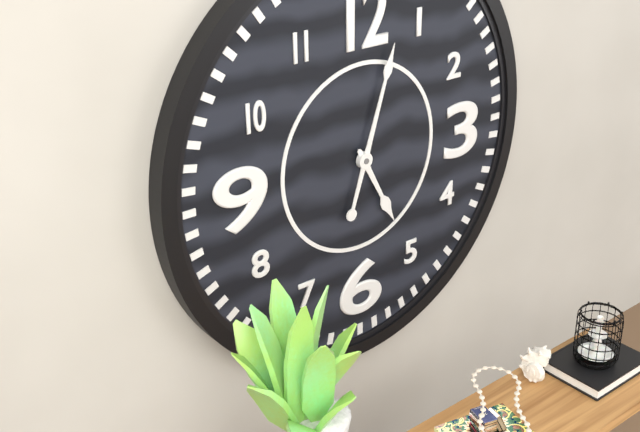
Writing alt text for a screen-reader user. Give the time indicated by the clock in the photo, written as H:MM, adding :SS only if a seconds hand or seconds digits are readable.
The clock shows 5:03
